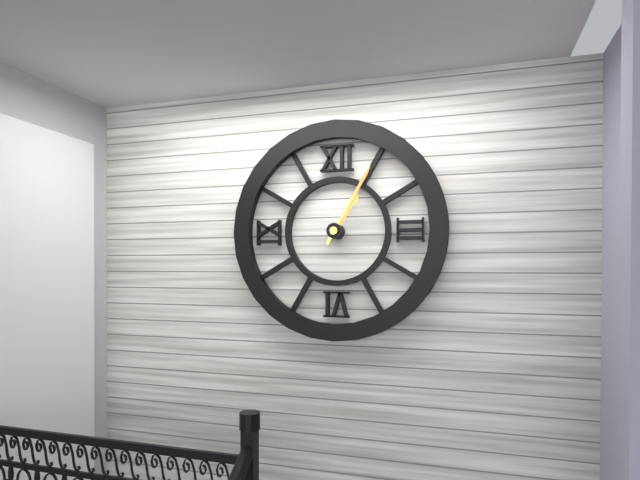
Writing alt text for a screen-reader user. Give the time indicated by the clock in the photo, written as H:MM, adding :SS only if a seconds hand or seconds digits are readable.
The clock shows 1:05
